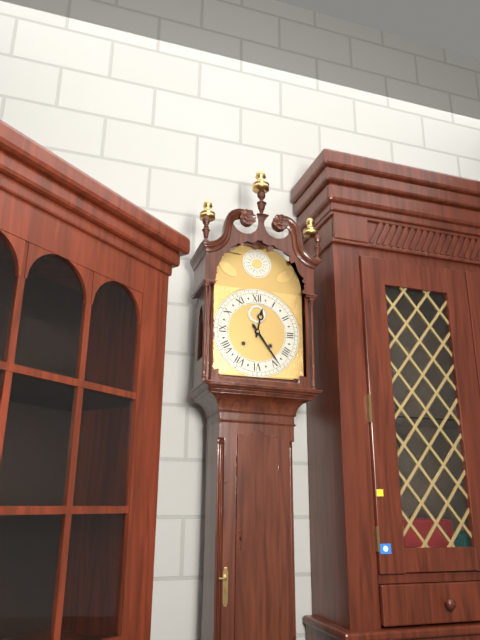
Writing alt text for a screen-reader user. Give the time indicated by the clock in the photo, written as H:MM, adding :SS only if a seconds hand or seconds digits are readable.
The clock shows 12:24
